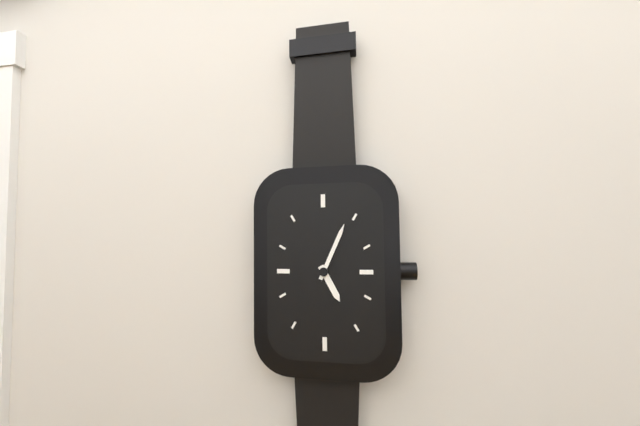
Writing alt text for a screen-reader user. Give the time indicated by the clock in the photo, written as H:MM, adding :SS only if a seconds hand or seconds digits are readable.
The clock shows 5:04
